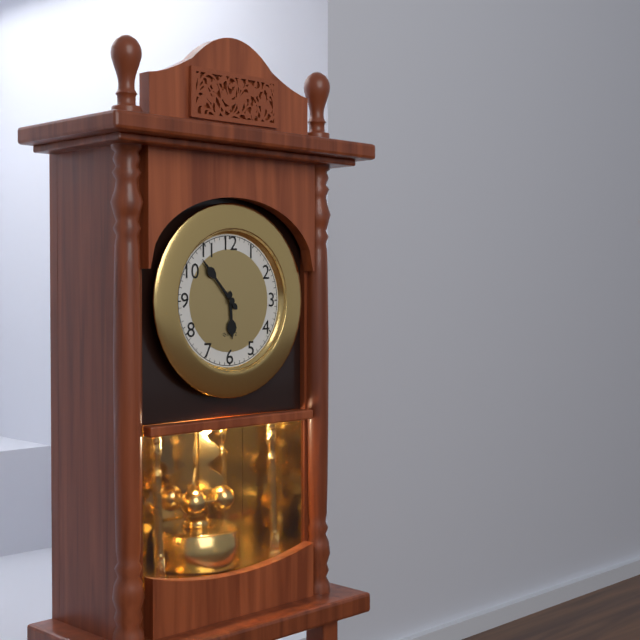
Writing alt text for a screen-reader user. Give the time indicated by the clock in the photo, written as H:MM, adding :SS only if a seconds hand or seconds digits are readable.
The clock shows 5:53
